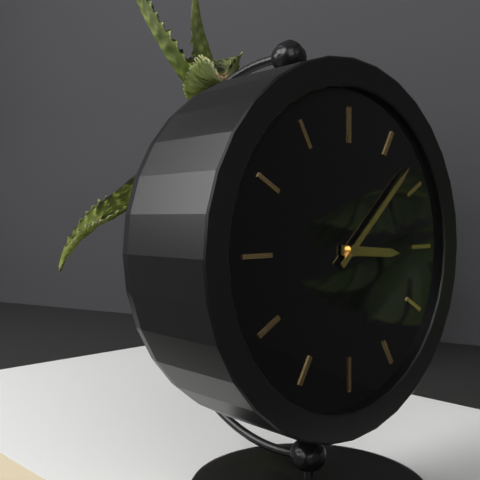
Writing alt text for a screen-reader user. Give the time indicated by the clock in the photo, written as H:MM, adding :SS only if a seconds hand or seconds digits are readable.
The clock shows 3:08
